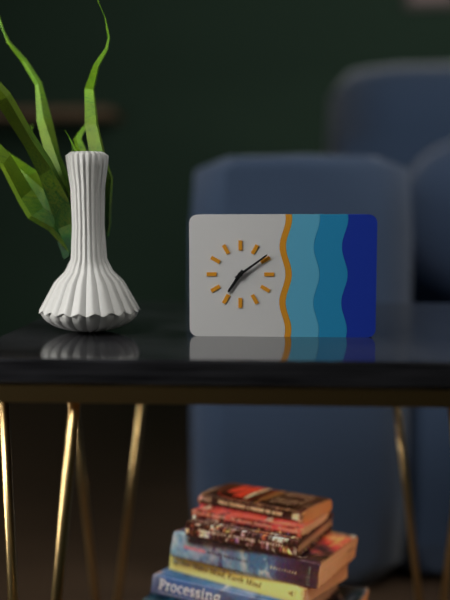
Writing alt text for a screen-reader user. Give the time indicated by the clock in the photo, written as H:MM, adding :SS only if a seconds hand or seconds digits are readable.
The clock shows 7:09
